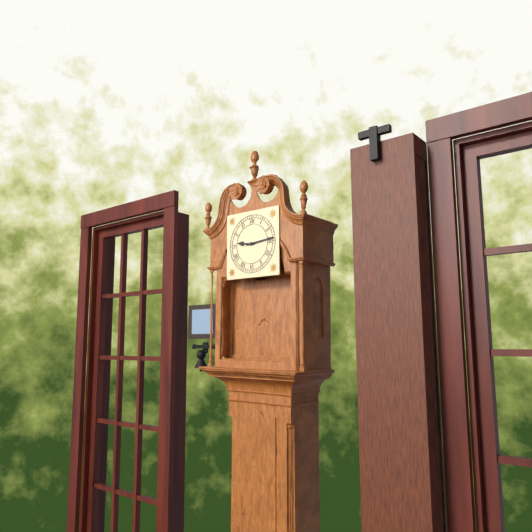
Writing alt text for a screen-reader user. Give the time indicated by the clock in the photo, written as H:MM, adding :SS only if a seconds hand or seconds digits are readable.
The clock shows 9:14
